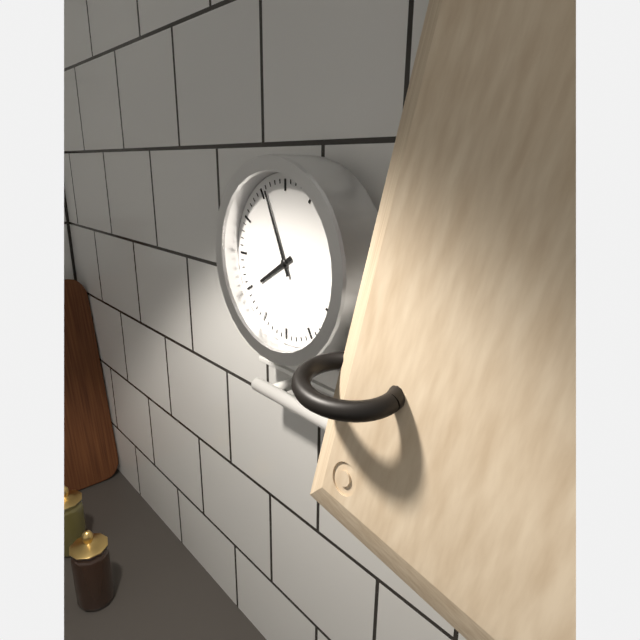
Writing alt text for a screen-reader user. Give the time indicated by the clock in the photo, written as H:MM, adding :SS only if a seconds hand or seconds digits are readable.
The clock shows 7:56
